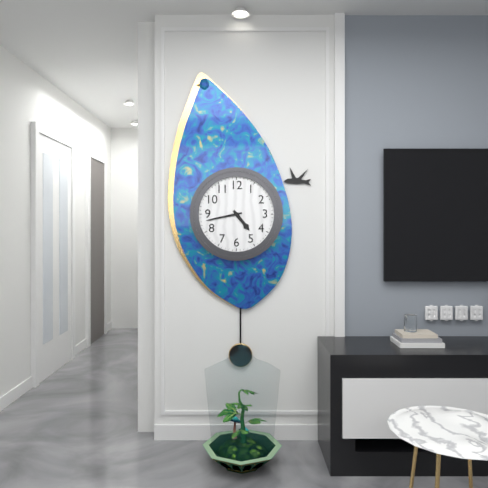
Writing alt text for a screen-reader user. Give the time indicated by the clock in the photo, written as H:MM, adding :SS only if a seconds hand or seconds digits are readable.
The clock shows 4:43
